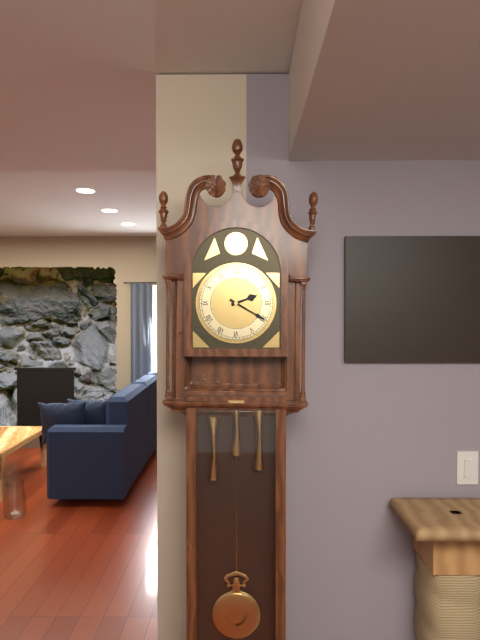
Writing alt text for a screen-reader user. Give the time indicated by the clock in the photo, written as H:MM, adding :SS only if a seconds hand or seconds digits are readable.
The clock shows 2:20
